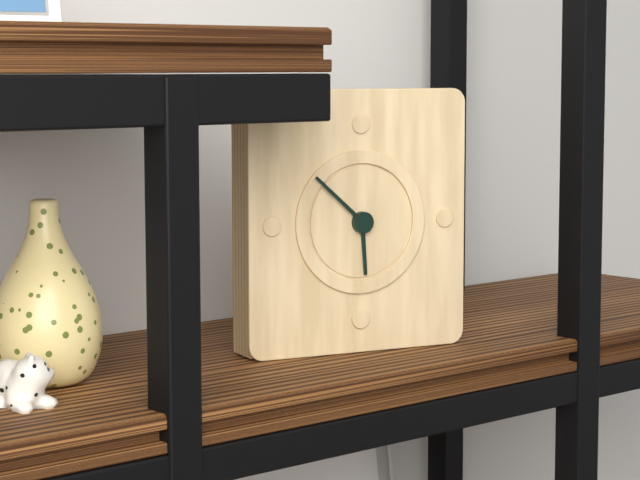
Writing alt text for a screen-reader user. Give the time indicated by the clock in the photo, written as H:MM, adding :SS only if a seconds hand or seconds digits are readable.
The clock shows 5:52
